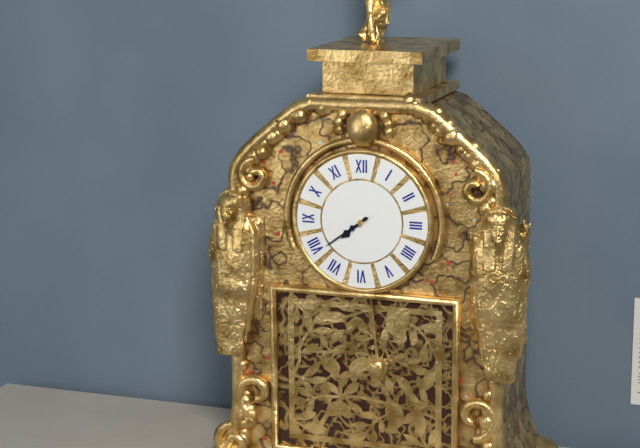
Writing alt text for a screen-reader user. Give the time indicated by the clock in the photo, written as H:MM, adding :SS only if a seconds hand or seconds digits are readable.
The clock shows 7:39
